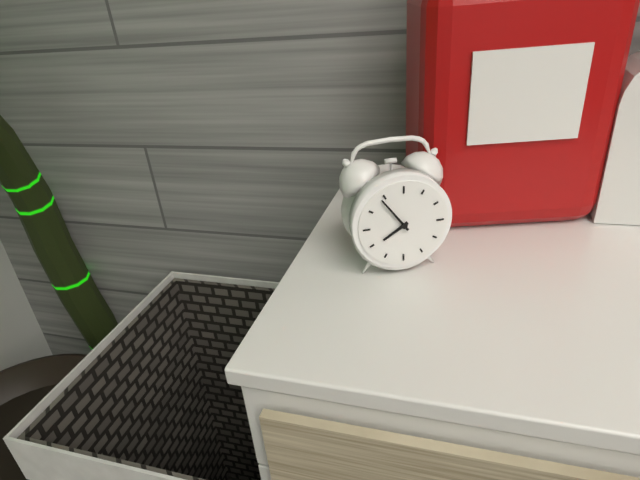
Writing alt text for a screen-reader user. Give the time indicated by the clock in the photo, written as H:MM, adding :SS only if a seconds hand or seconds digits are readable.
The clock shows 7:54
